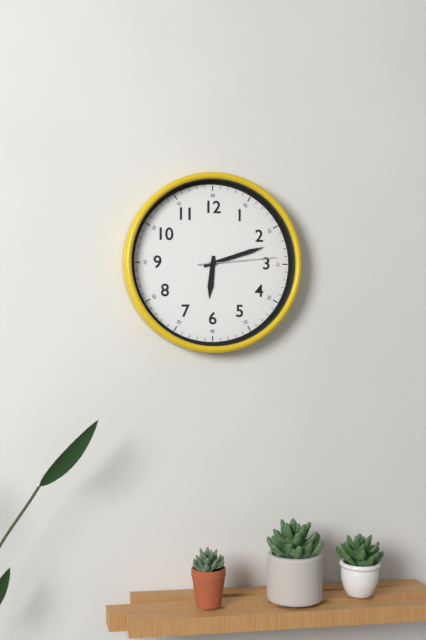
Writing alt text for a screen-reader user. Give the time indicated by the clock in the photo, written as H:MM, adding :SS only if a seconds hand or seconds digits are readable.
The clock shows 6:12:14
